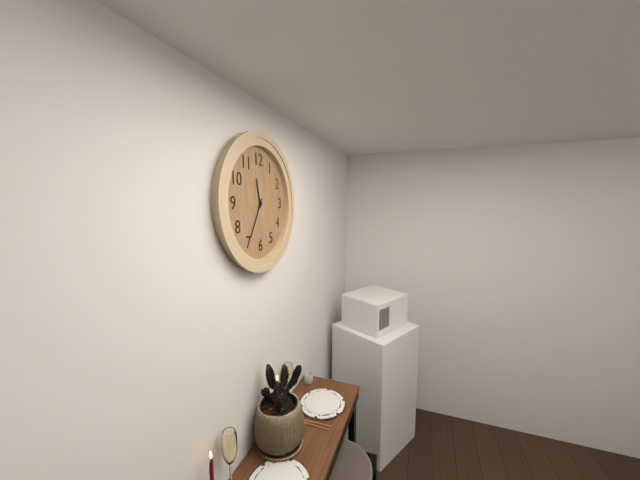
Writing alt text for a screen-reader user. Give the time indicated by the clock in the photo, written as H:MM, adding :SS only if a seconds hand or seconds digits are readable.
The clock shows 11:35
